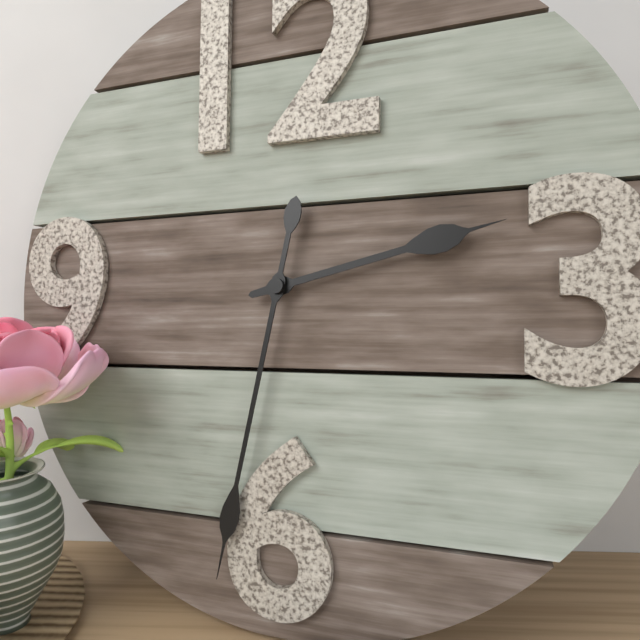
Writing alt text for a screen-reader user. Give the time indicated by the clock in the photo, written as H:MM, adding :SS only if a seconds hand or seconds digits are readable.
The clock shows 2:32
